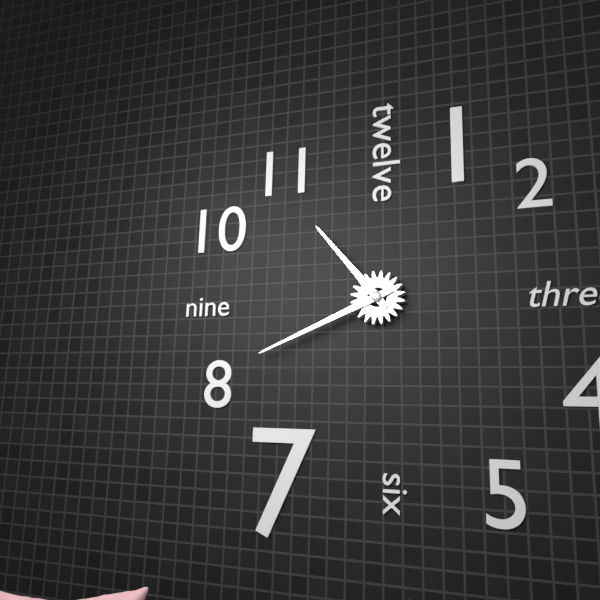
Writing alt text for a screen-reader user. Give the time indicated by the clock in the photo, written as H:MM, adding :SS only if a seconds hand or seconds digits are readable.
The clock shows 10:41
